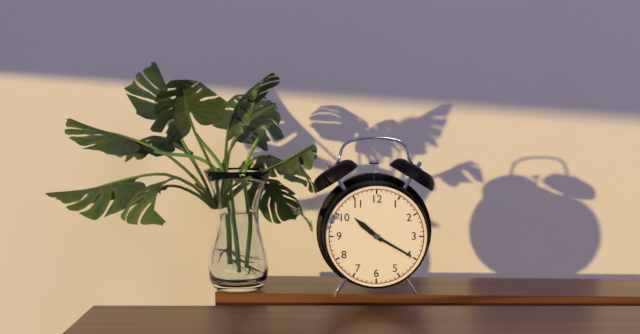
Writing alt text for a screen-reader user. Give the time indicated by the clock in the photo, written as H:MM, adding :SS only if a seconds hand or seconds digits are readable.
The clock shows 10:20
